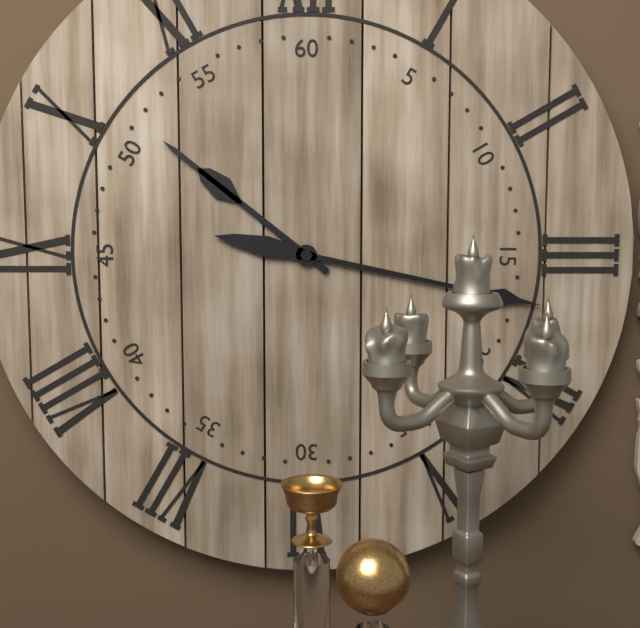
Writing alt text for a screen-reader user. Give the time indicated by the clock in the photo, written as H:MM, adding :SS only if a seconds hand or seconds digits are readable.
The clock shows 10:17
